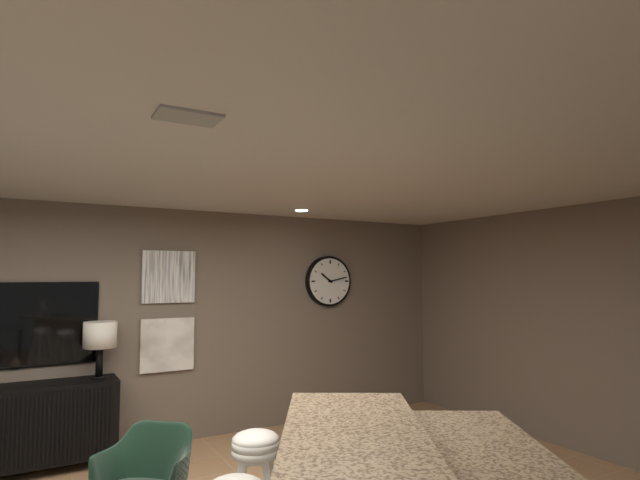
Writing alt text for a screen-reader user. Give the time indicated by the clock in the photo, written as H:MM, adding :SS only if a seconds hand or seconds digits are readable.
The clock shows 10:13
